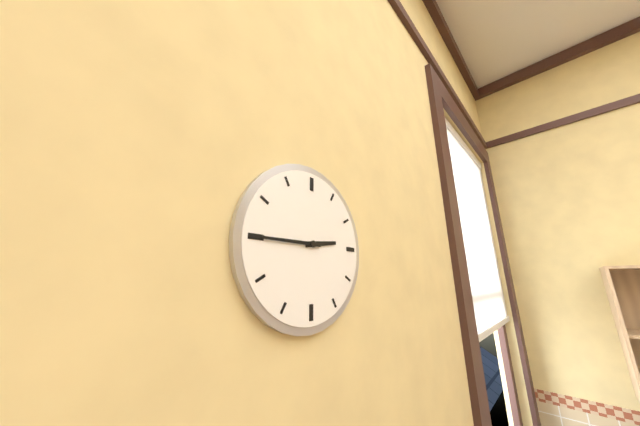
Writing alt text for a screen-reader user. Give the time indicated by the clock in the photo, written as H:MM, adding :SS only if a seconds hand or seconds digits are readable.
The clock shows 2:45
